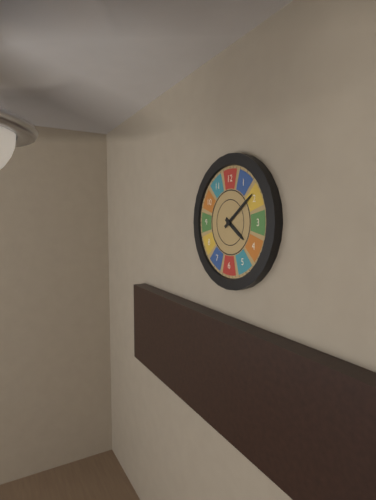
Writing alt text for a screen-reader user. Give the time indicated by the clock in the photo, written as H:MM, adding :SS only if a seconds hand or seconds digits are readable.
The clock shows 4:09
